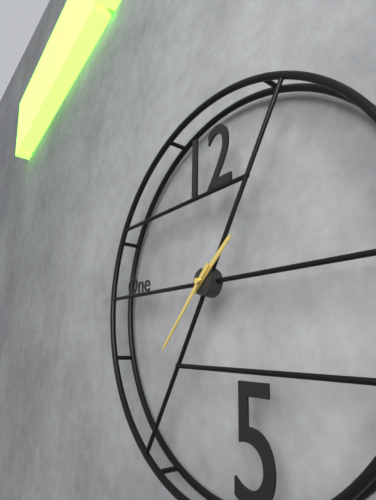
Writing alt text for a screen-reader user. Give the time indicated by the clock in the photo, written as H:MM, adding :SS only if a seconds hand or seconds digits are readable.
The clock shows 1:37
